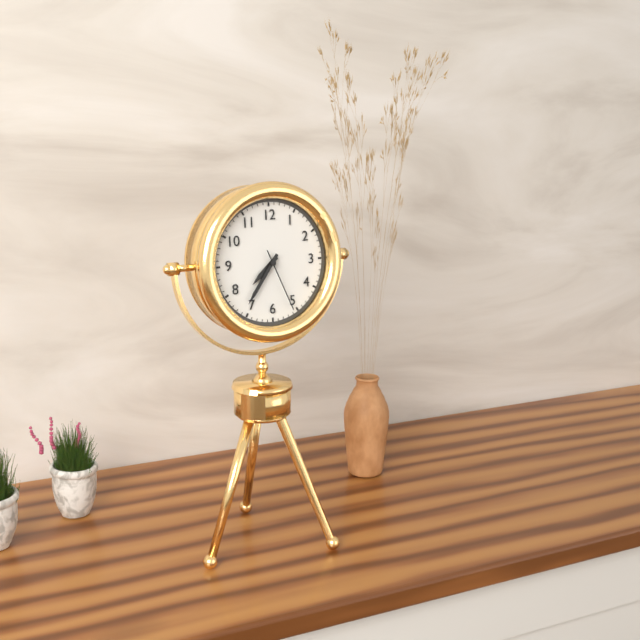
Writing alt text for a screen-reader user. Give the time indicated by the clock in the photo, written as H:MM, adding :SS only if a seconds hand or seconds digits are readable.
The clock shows 7:36:26
